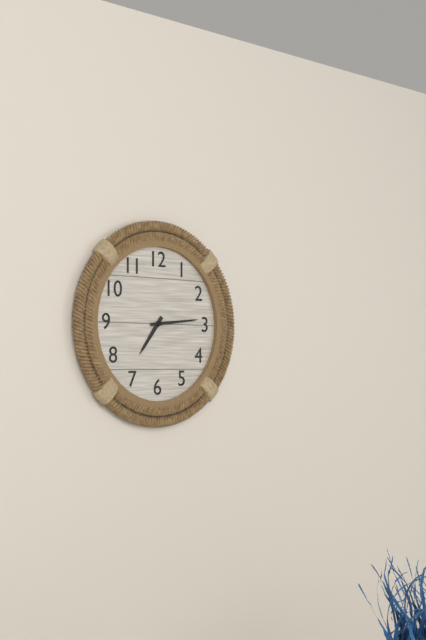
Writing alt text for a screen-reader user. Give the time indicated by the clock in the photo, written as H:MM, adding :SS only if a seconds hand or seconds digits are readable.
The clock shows 7:14
